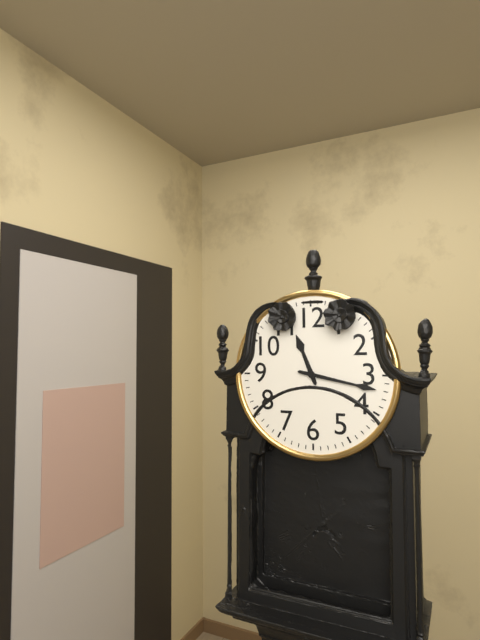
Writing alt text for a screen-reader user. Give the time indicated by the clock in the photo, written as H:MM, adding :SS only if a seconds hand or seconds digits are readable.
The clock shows 11:17
